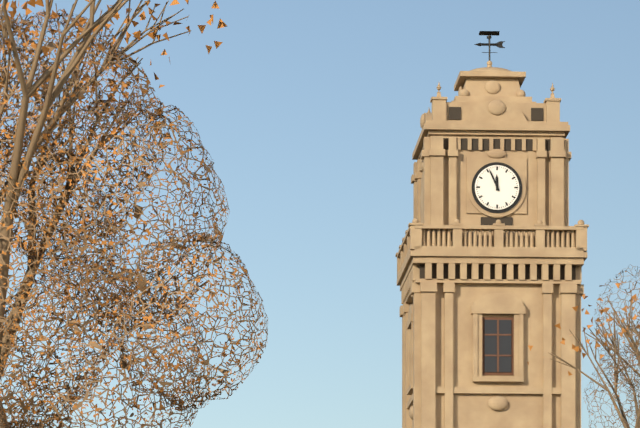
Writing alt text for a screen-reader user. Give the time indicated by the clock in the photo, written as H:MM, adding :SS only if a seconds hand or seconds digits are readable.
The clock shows 11:56
